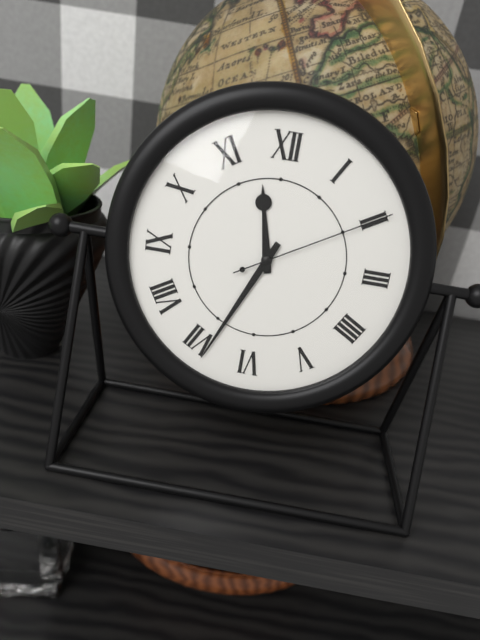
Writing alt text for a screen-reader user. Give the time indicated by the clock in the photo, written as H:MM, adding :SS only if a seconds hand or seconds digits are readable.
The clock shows 11:34:10
